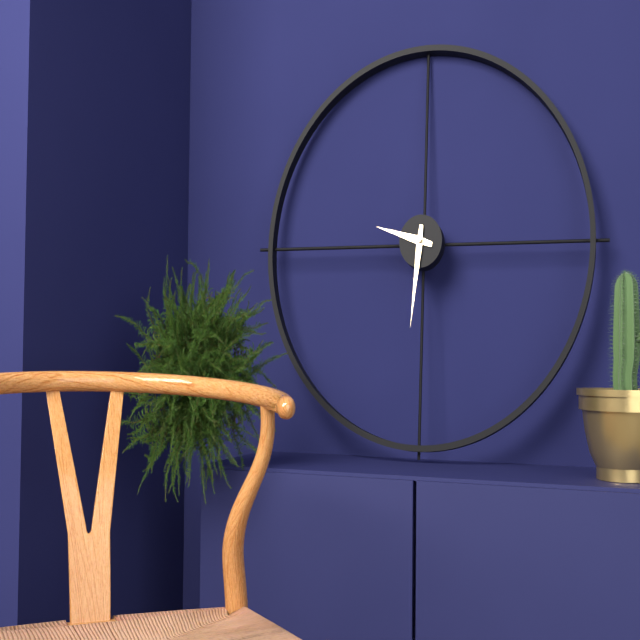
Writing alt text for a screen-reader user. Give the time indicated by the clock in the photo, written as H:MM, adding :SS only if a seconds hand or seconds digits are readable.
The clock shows 9:31
